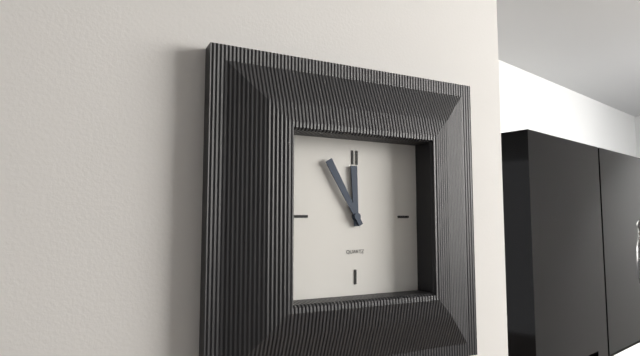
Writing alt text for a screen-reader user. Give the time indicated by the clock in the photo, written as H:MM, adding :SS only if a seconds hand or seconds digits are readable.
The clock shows 11:55
